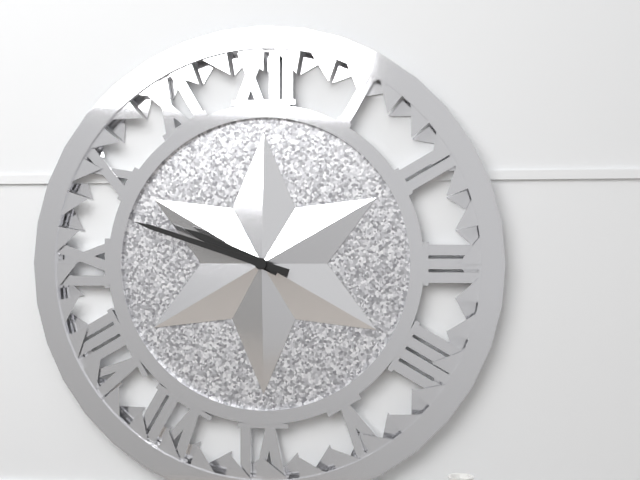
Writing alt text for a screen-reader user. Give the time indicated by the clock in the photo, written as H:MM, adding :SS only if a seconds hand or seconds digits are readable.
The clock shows 9:48
